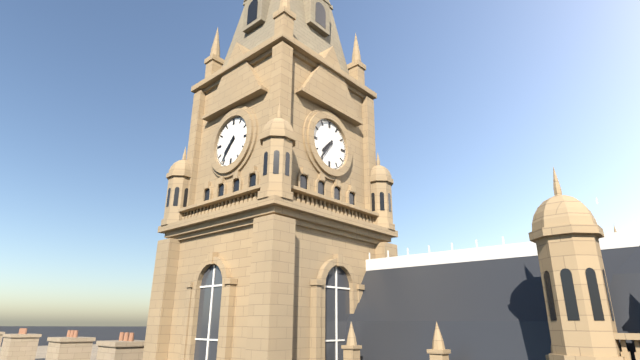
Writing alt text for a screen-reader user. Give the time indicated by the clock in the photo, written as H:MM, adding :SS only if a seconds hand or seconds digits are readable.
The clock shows 7:36
